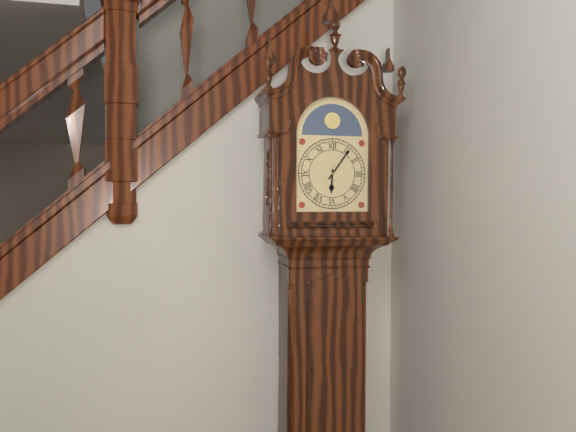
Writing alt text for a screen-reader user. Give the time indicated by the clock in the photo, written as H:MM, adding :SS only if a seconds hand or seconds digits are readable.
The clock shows 6:06
